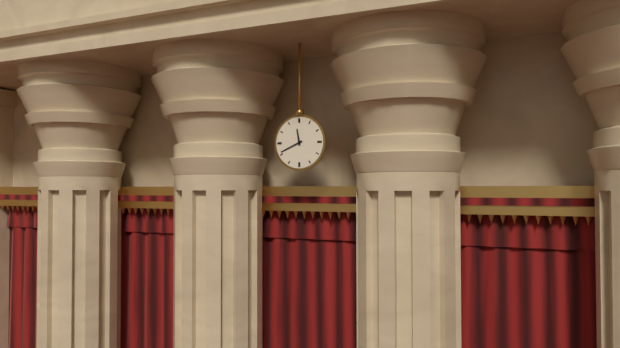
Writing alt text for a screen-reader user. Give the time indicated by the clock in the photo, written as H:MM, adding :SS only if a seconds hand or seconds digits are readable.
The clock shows 11:41
